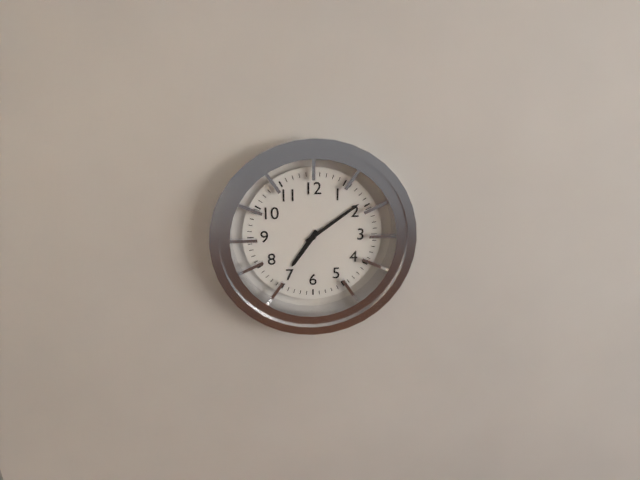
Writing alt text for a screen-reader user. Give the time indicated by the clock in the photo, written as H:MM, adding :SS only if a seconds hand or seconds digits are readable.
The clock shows 7:09
